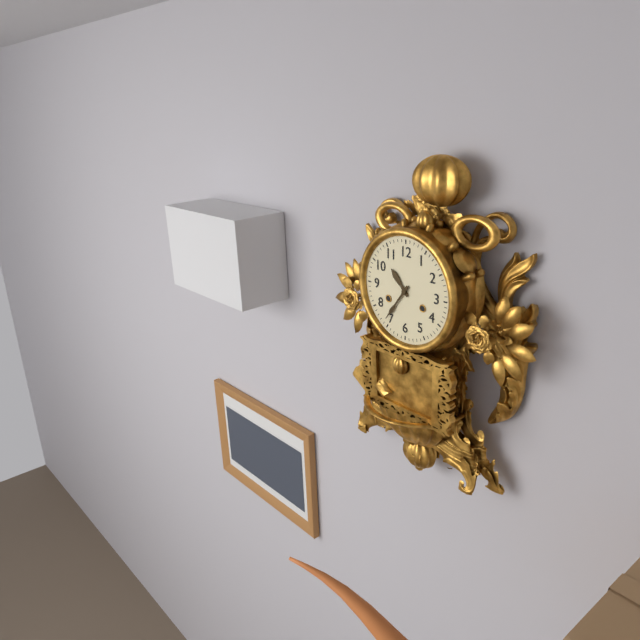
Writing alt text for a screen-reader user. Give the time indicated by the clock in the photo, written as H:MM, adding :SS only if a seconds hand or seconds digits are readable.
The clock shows 10:36
